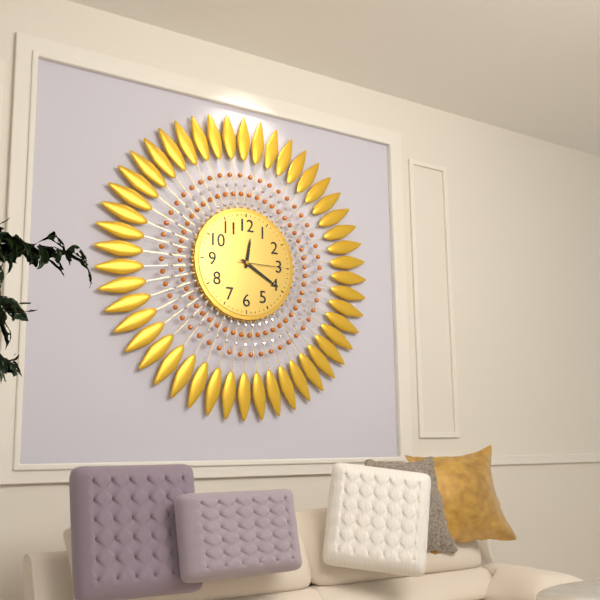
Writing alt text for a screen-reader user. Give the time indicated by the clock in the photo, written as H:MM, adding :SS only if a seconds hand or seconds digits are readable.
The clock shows 12:20
